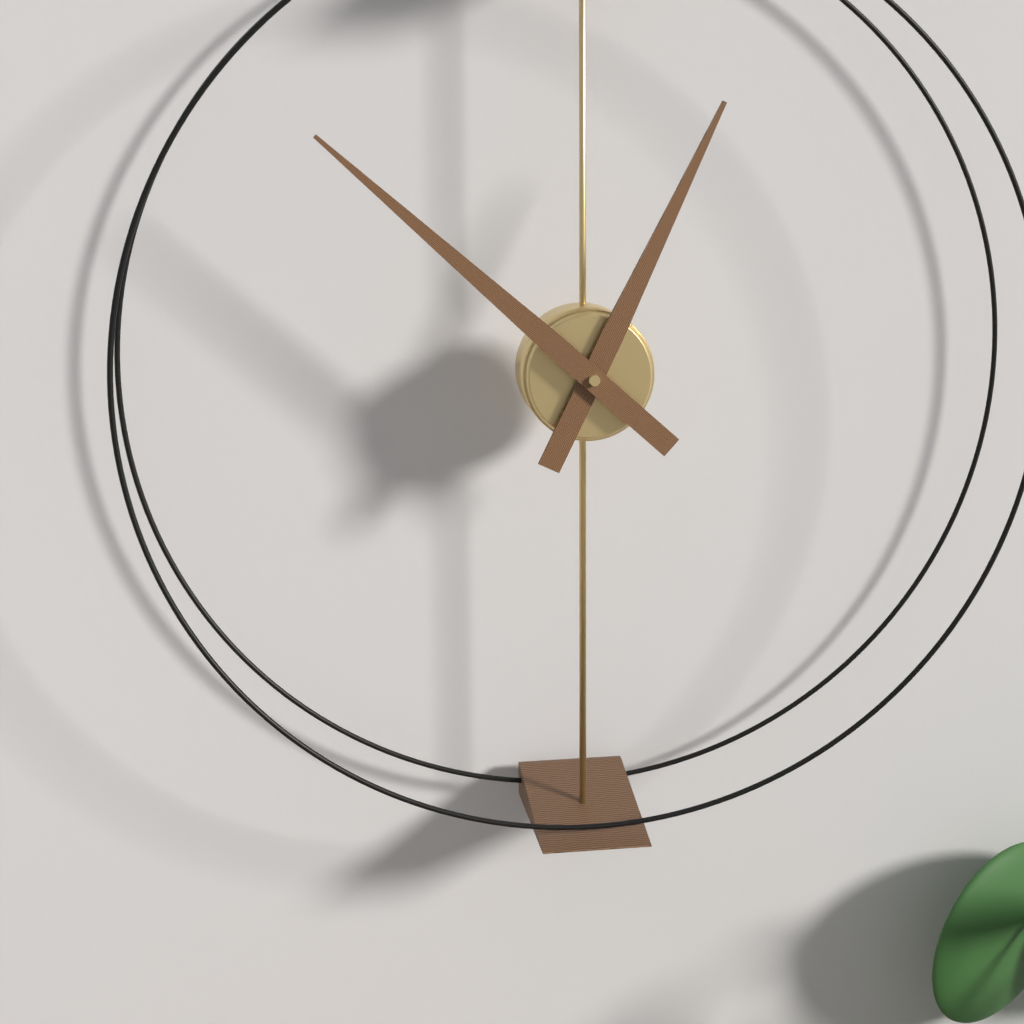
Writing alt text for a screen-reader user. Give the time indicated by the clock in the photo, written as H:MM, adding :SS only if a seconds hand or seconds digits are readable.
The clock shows 12:52
